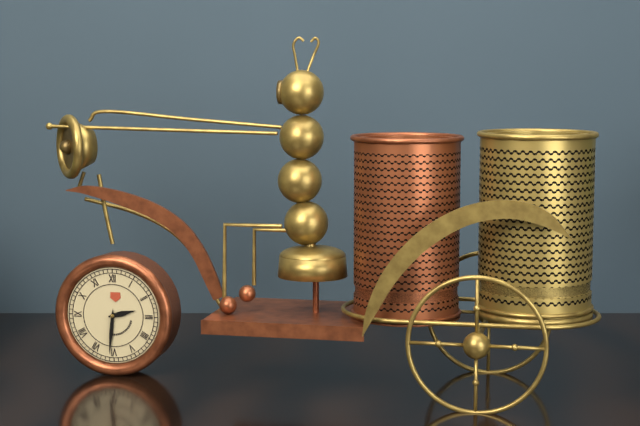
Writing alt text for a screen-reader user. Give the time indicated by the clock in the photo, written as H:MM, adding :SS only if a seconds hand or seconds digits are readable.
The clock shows 2:31
